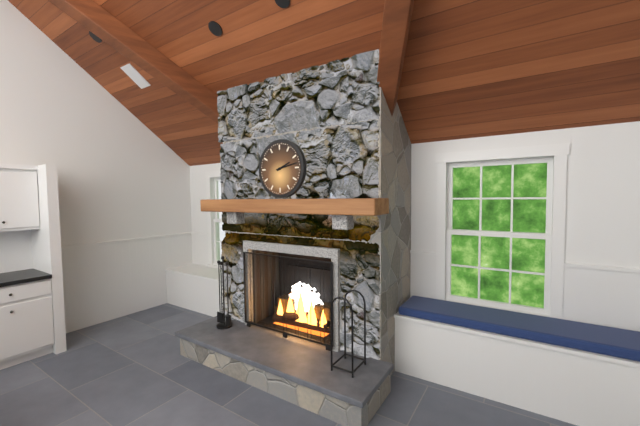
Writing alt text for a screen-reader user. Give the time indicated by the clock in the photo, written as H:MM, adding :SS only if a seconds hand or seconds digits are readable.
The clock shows 2:13
